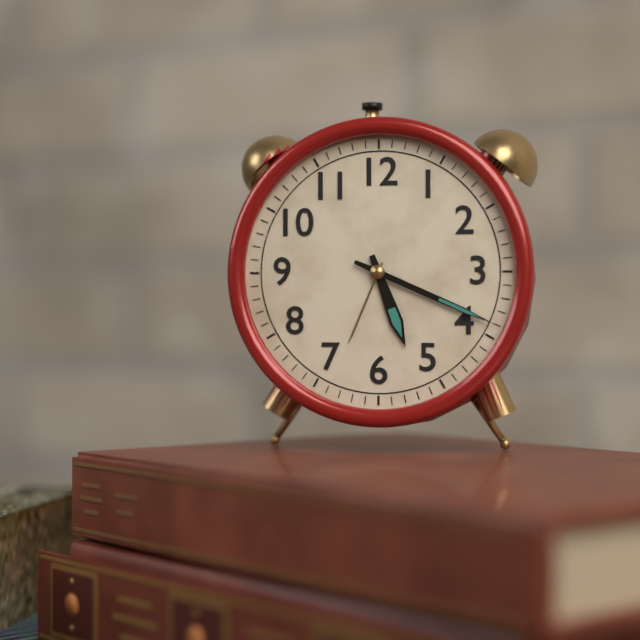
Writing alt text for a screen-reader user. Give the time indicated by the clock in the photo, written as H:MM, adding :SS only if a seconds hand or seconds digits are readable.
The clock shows 5:19
